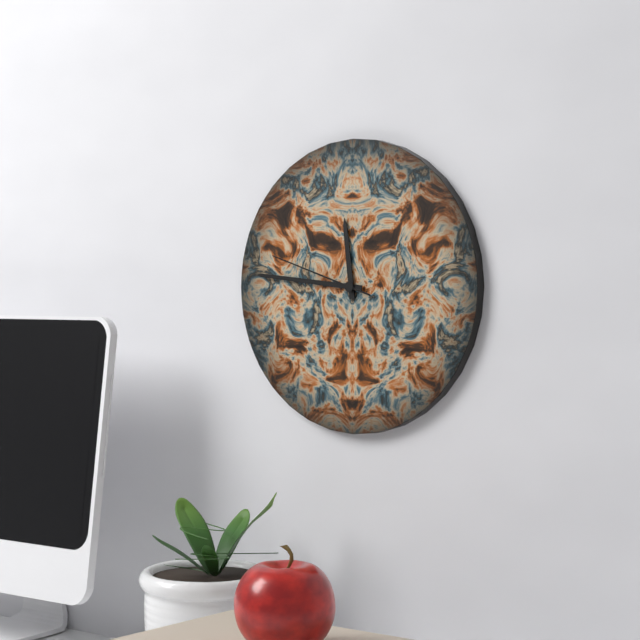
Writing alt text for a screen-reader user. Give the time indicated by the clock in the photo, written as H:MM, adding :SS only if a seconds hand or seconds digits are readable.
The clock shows 11:46:48
